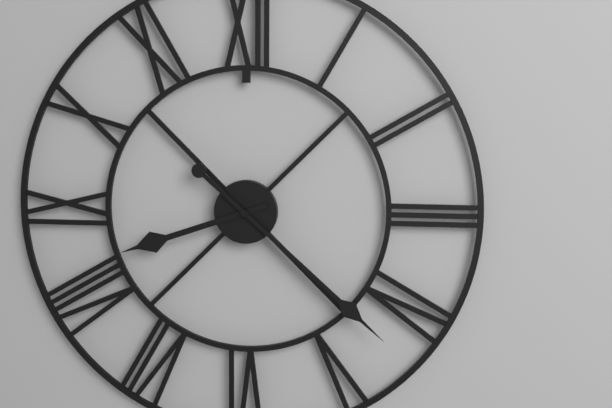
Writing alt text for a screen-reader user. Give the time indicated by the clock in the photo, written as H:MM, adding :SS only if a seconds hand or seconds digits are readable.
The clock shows 8:22
